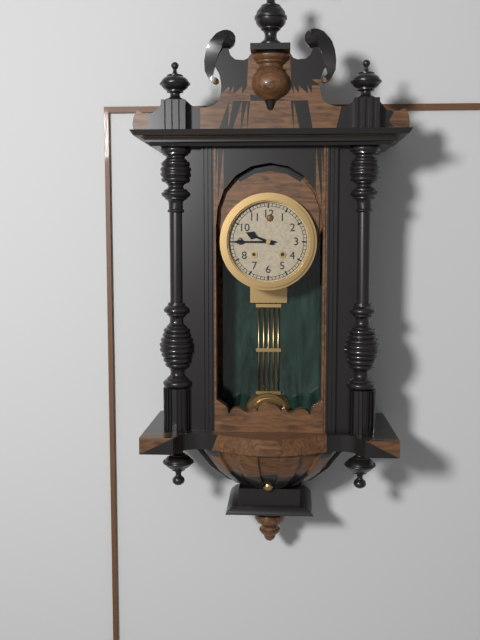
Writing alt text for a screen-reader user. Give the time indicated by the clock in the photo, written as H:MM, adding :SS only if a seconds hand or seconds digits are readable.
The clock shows 9:45
